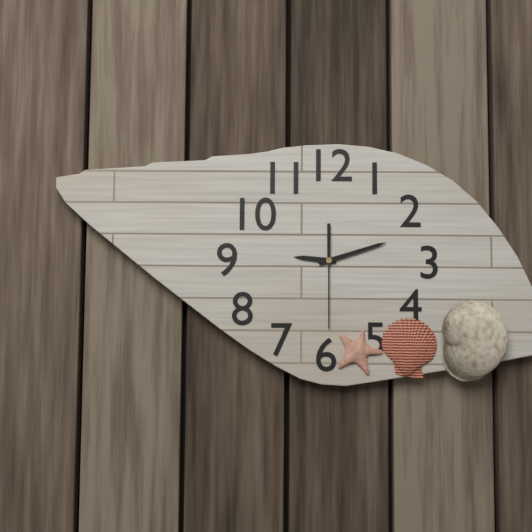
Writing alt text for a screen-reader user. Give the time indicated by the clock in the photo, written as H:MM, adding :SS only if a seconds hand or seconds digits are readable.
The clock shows 9:12:30
